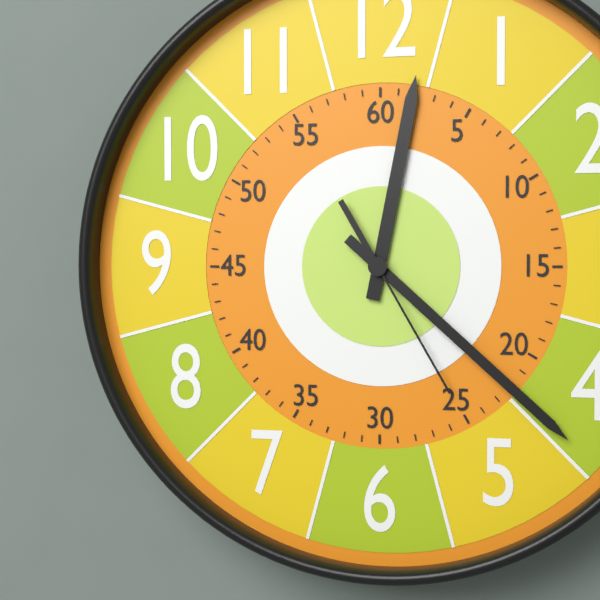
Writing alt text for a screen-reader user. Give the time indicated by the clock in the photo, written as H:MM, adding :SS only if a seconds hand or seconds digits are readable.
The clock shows 12:22:25
